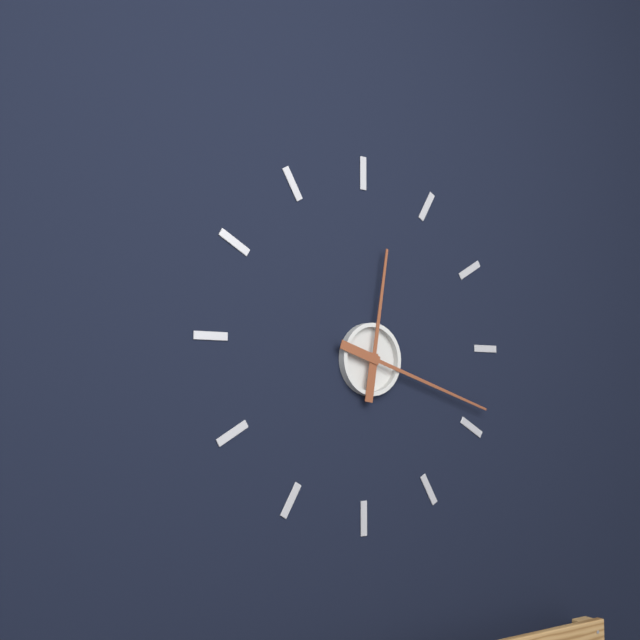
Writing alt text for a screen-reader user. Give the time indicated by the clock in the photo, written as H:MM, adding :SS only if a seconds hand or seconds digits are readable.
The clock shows 12:18
